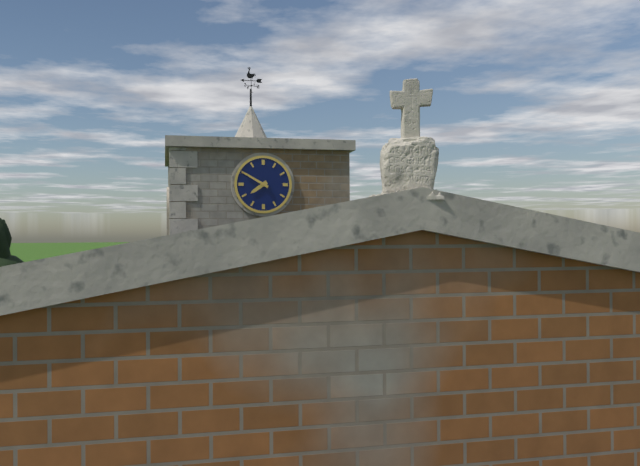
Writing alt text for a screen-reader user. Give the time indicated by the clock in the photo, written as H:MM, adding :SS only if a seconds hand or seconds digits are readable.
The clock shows 7:50
